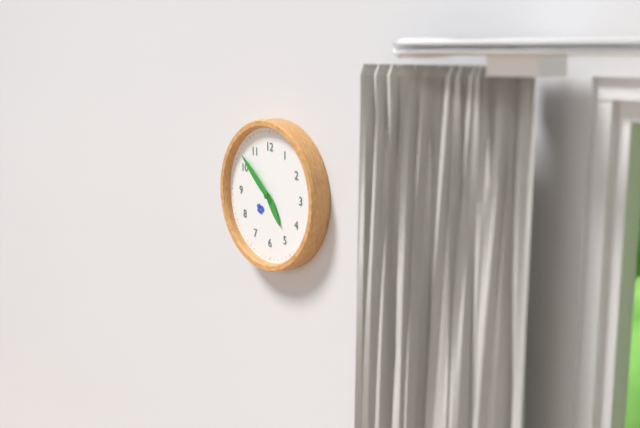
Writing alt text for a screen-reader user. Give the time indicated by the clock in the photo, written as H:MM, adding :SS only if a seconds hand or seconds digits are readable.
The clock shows 4:52
